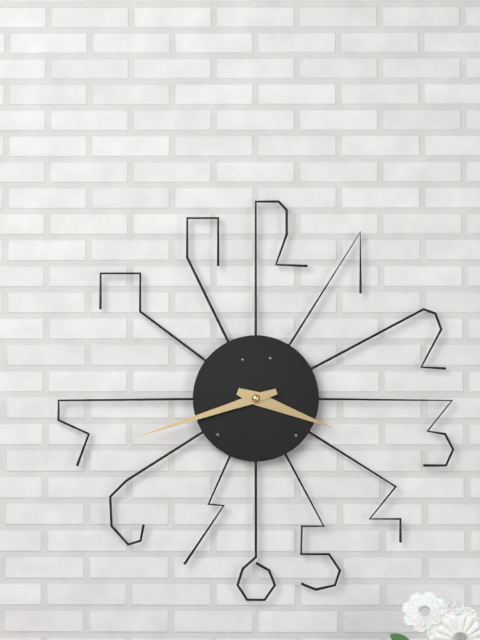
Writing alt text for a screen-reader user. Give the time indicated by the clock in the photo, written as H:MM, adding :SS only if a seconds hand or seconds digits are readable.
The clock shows 3:42
